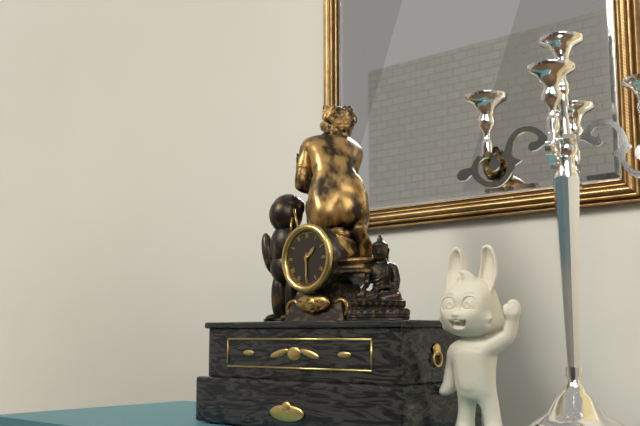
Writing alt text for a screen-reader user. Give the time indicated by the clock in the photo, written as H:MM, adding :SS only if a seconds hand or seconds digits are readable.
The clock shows 1:30
